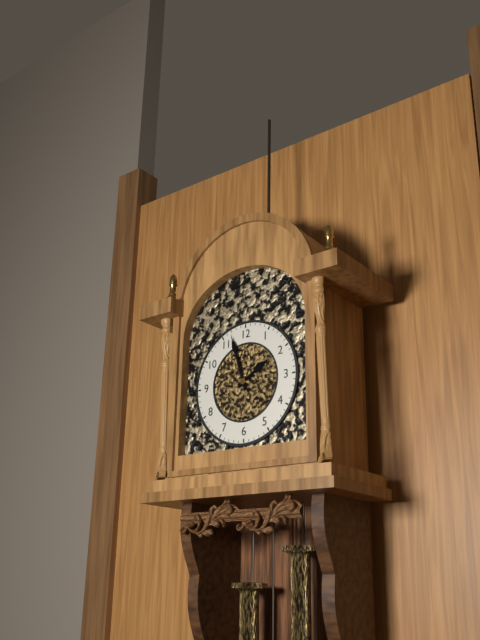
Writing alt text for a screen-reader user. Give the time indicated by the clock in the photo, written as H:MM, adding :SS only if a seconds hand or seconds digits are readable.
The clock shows 1:57
